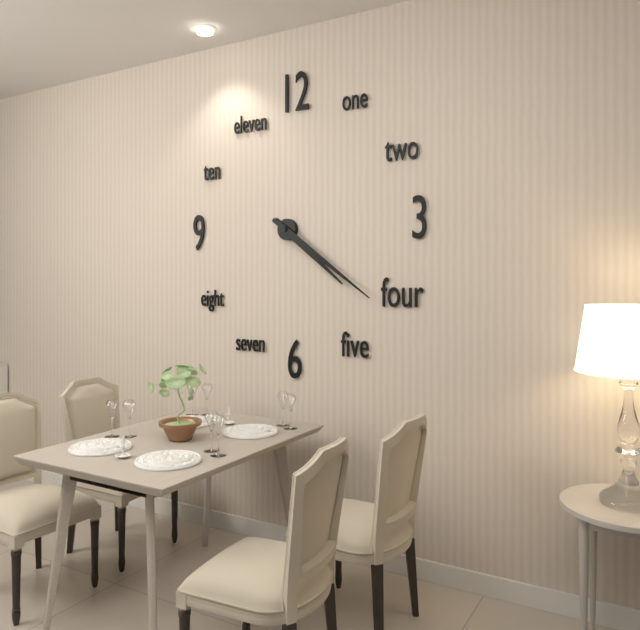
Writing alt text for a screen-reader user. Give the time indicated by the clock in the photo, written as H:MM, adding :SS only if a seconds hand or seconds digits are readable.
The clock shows 4:21
